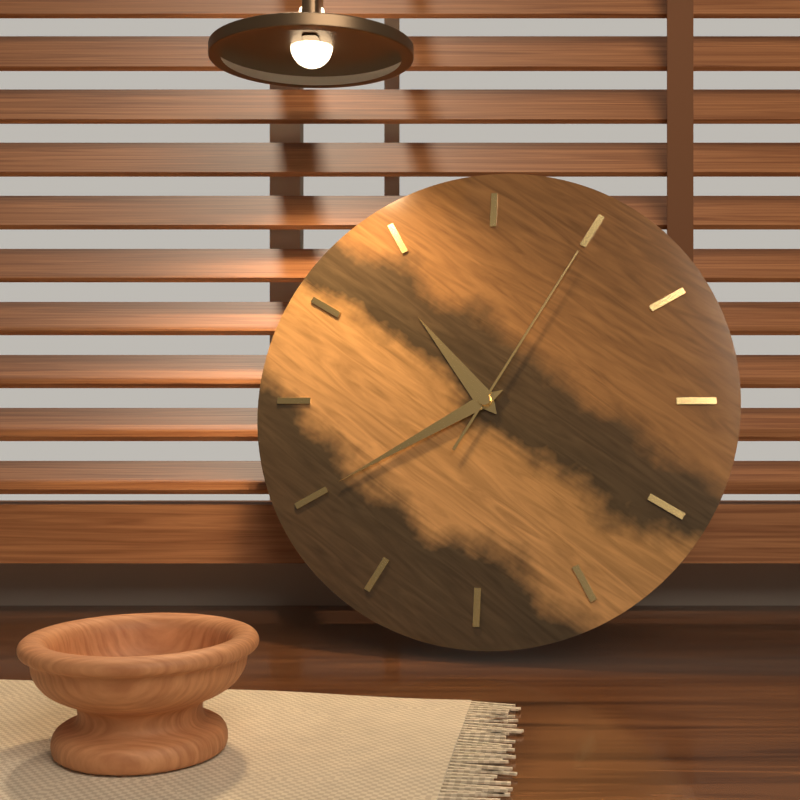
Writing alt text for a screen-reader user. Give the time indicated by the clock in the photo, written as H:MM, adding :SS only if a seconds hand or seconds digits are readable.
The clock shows 10:40:05
